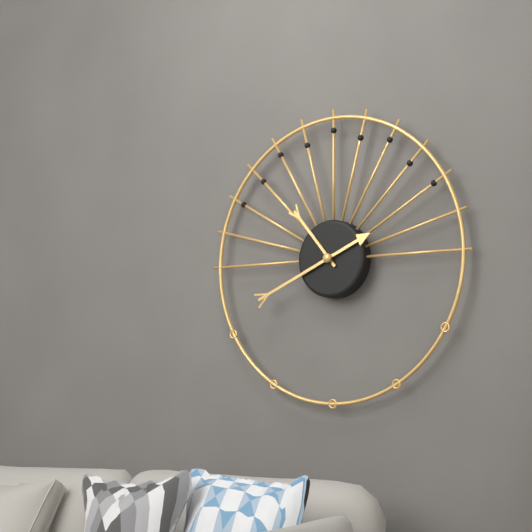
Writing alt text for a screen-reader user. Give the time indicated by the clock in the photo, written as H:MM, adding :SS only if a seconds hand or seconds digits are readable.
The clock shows 10:41
